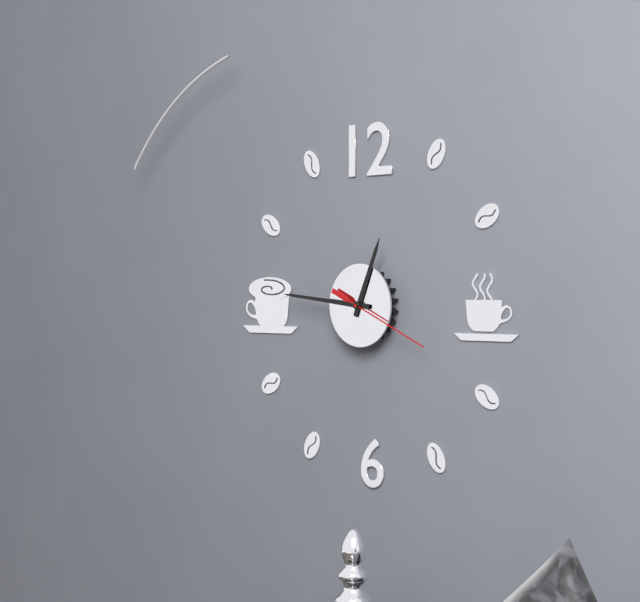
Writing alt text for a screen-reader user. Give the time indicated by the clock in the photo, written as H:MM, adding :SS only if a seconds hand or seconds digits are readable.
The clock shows 12:46:19
